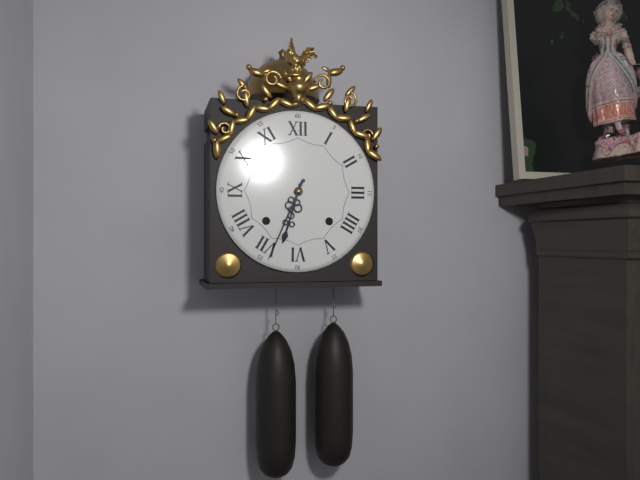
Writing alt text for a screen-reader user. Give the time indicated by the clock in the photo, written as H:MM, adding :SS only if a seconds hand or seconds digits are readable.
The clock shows 6:34
